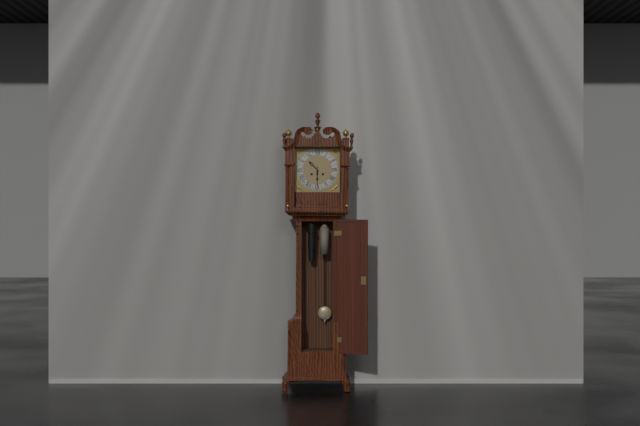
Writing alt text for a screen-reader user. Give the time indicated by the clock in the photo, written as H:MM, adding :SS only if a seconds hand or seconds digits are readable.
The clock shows 10:30
